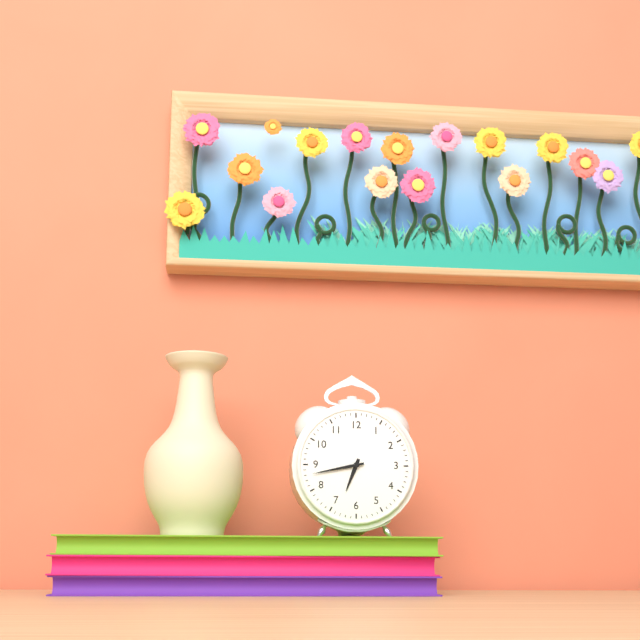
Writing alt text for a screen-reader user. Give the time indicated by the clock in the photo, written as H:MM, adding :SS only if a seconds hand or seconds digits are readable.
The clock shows 6:43
